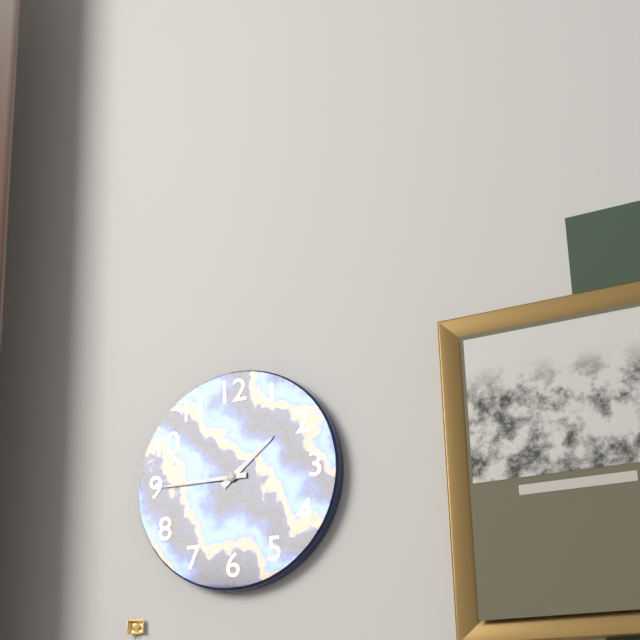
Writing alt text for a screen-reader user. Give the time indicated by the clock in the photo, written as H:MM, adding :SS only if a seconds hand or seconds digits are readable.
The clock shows 1:45
